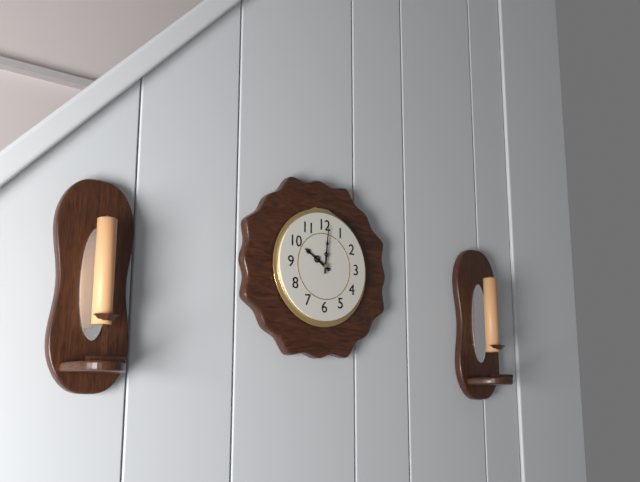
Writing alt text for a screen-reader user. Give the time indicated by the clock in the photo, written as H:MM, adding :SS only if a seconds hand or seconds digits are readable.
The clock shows 10:01
